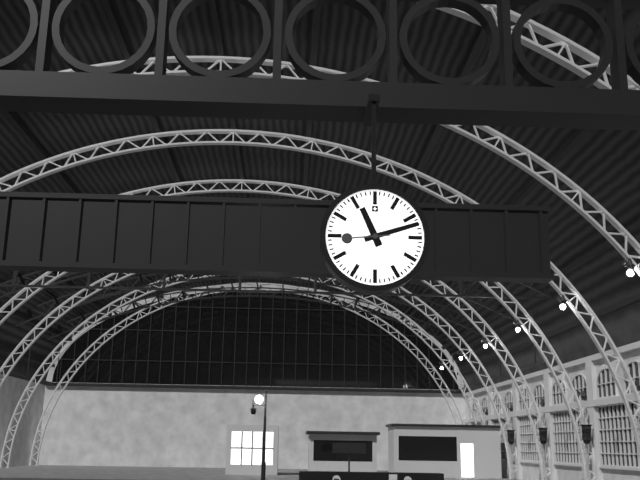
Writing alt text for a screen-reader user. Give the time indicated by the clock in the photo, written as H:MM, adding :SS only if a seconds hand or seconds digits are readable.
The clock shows 11:12
